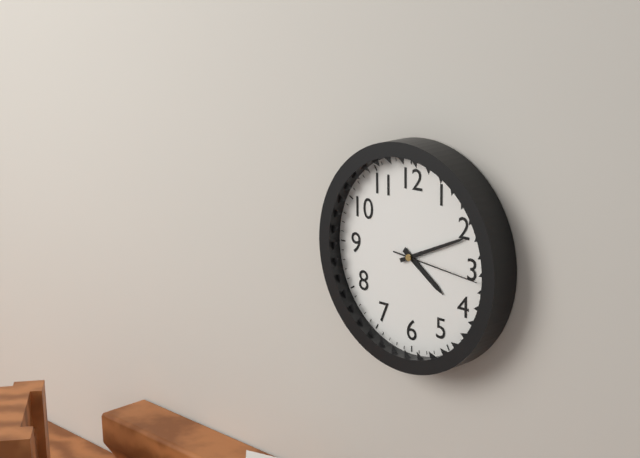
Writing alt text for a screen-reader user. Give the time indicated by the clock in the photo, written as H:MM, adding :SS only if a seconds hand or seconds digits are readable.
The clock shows 4:11:16
